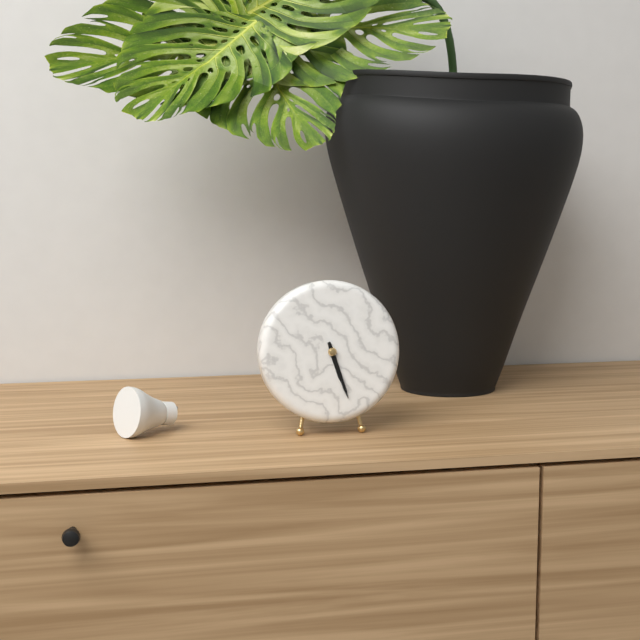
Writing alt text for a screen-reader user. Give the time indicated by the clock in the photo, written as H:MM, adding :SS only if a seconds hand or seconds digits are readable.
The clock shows 5:27
